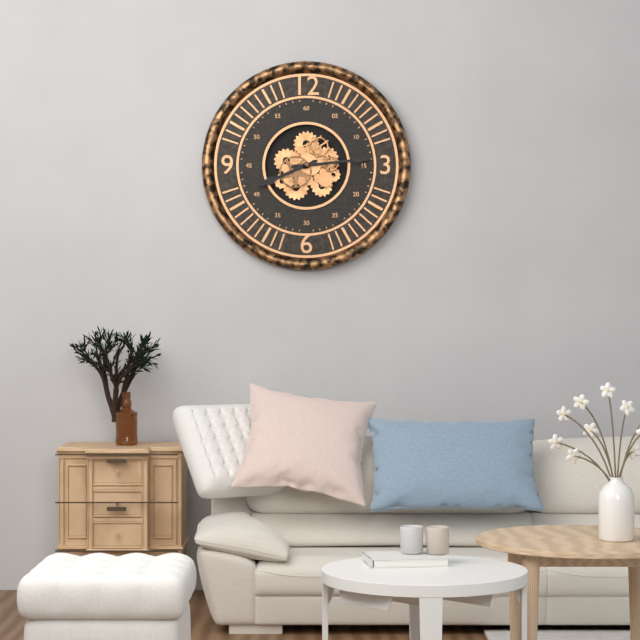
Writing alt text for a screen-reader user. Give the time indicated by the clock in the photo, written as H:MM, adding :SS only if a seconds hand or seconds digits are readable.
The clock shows 8:14
